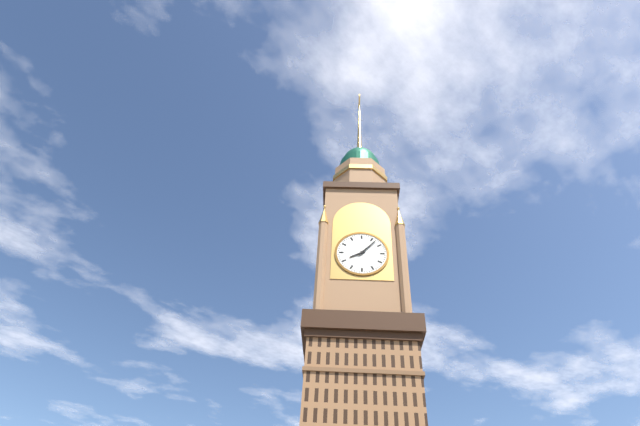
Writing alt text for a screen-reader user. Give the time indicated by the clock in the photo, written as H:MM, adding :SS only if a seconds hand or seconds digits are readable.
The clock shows 8:07
